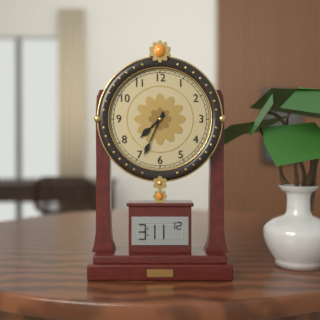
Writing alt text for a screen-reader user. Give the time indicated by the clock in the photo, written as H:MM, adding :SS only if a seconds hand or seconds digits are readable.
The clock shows 7:34
